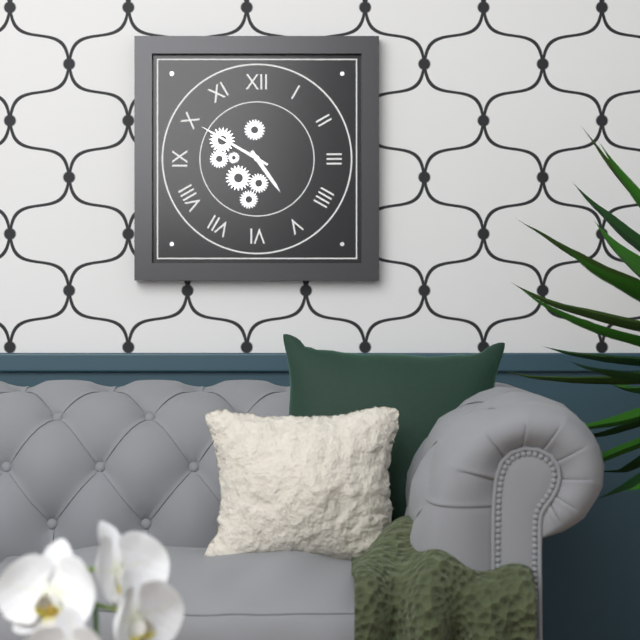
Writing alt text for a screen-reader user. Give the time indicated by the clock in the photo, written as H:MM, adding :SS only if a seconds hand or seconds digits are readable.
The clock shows 4:50
